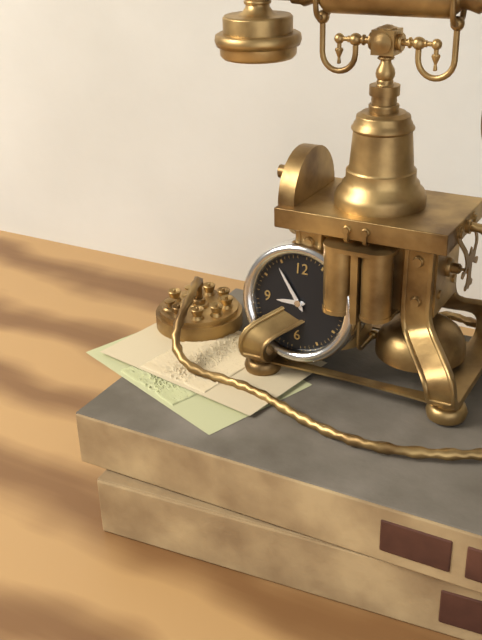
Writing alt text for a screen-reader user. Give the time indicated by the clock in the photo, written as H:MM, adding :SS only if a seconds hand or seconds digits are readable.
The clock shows 8:54
